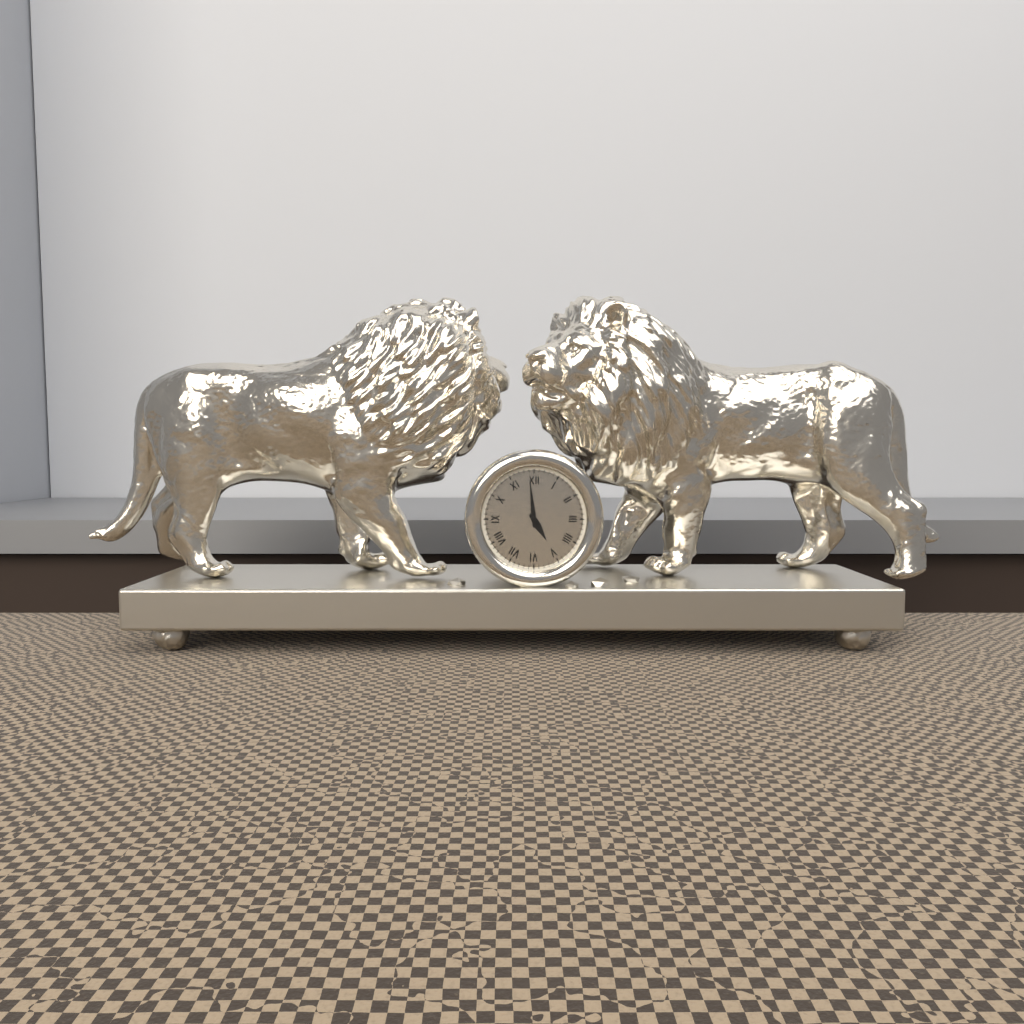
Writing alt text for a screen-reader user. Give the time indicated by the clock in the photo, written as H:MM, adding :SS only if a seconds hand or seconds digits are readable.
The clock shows 4:59
